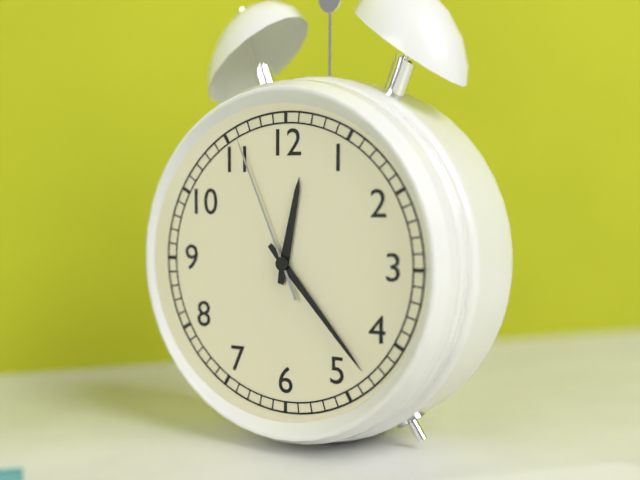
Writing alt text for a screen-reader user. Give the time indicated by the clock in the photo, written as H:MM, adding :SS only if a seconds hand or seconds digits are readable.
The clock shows 12:23:56
